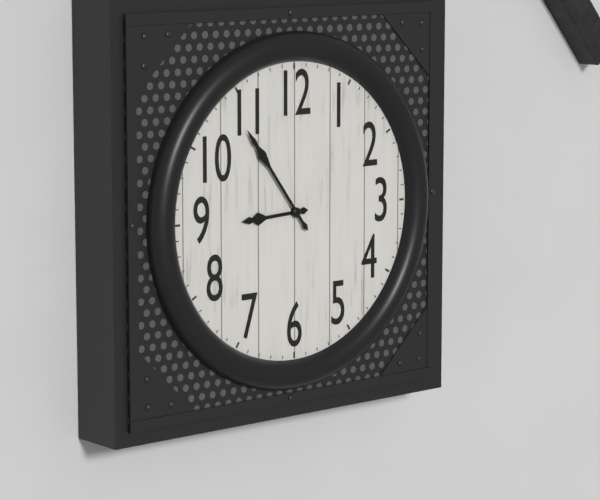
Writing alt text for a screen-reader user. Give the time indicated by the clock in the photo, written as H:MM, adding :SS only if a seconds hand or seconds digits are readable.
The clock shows 8:54
